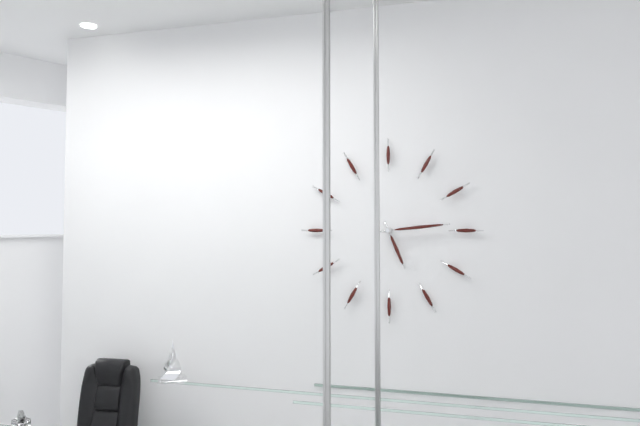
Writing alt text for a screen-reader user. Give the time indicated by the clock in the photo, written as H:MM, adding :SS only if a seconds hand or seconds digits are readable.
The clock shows 5:14
